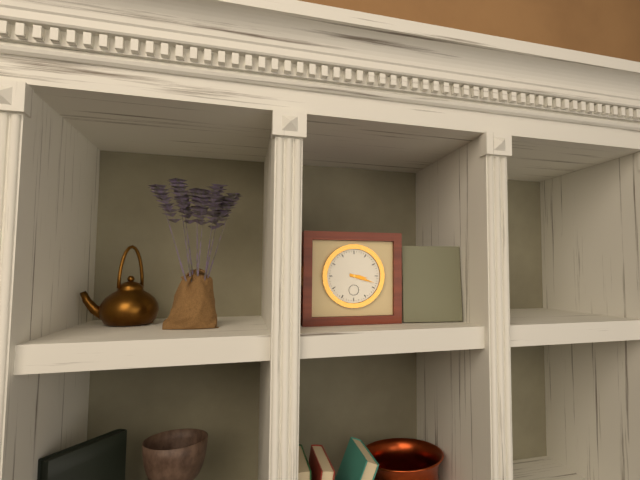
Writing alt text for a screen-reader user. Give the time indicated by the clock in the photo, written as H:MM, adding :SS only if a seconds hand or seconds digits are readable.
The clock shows 3:18
